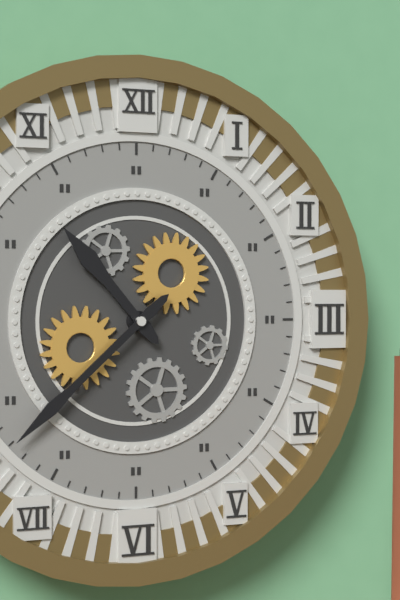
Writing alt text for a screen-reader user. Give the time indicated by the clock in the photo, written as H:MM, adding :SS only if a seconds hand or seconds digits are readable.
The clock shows 10:38
